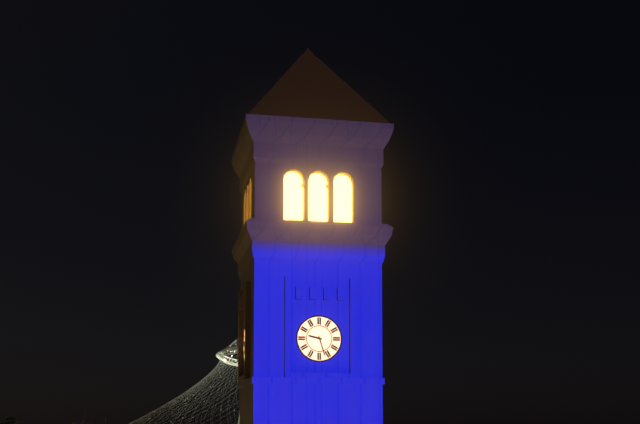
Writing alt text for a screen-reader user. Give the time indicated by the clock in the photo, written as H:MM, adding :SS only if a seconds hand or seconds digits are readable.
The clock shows 9:27
